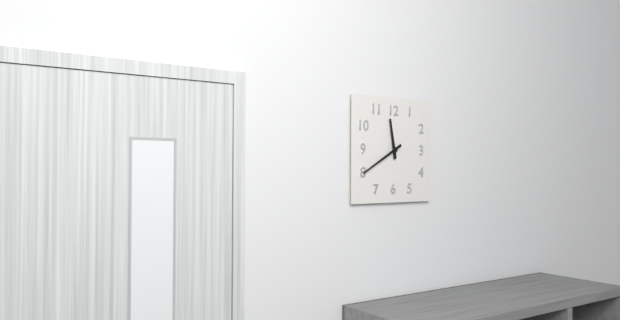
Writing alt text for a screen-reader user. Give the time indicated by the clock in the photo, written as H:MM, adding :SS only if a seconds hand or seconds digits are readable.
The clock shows 11:40
